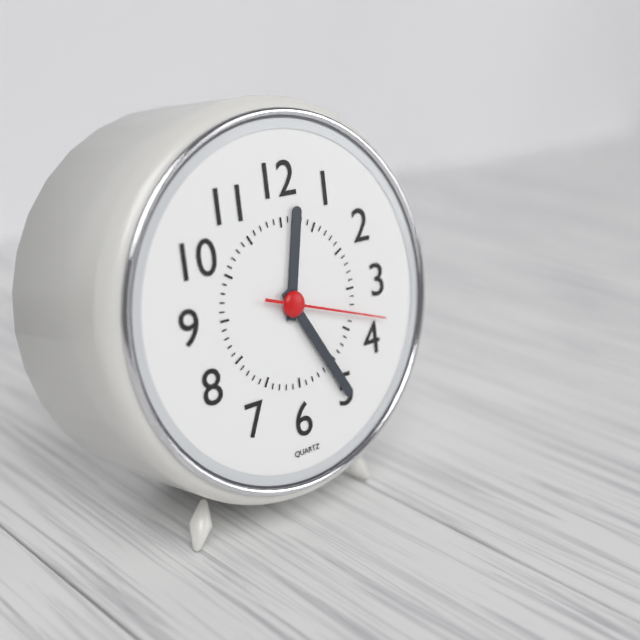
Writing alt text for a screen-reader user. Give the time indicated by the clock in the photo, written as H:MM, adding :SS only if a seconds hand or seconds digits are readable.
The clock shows 12:25:18
